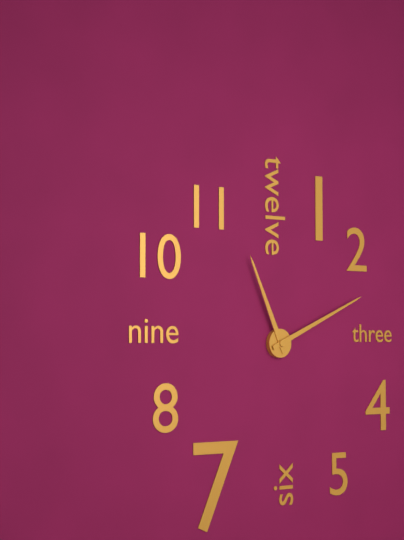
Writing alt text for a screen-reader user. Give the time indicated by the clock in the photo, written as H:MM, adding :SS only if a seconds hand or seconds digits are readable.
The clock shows 11:11
